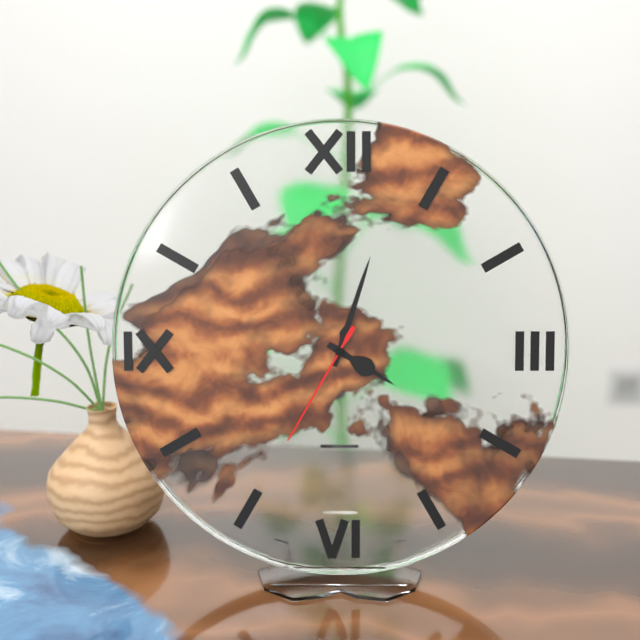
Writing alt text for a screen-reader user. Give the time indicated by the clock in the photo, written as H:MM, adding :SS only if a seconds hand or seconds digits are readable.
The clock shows 4:03:35
